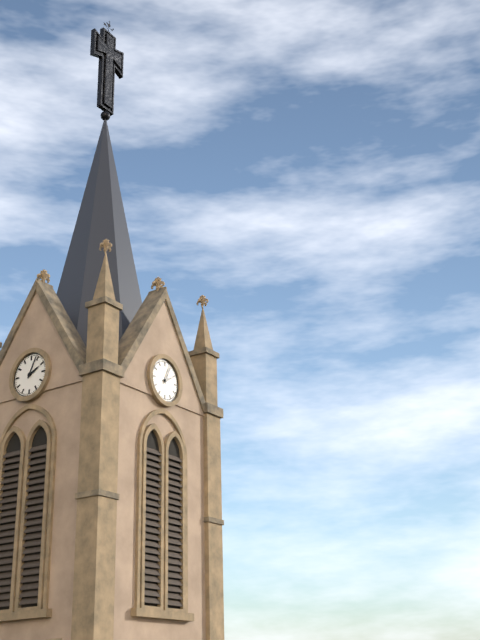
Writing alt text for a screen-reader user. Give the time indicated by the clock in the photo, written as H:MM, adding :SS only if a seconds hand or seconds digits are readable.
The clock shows 2:04
